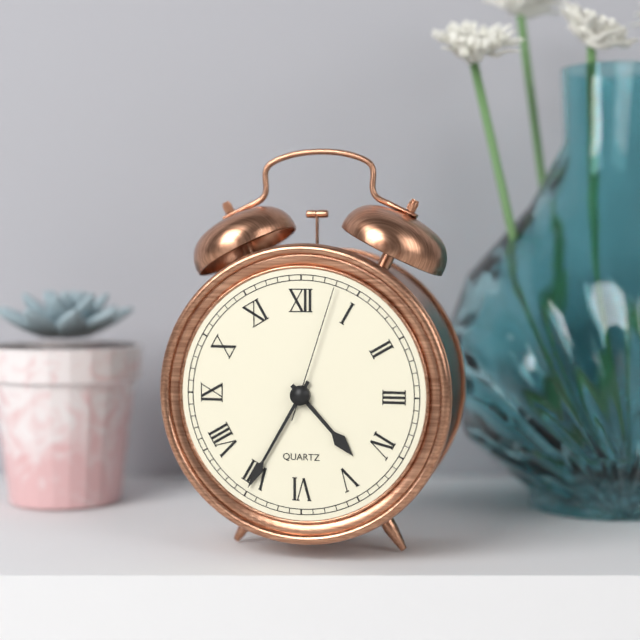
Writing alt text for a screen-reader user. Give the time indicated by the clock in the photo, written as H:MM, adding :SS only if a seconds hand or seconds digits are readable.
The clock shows 4:35:03
